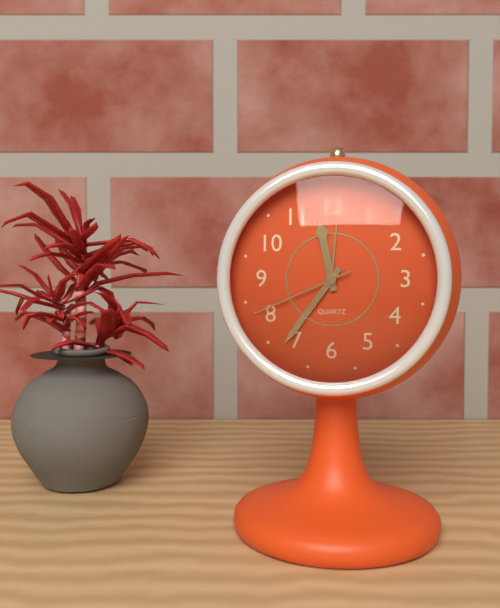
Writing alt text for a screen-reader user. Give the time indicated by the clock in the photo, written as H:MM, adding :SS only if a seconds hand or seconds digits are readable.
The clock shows 11:36:41
